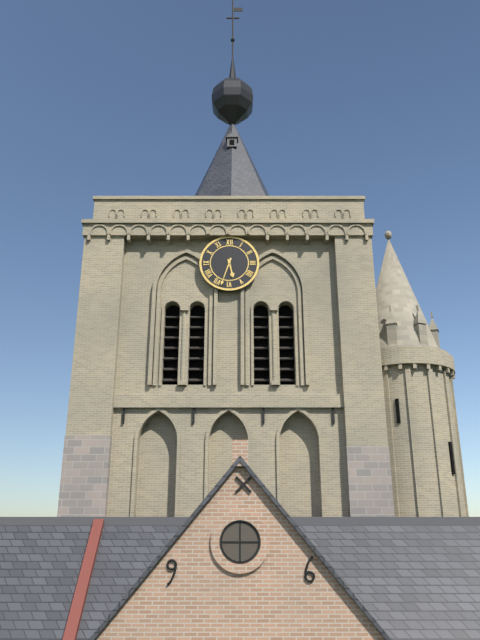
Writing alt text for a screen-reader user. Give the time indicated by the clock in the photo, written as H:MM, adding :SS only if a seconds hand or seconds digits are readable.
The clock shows 5:33
